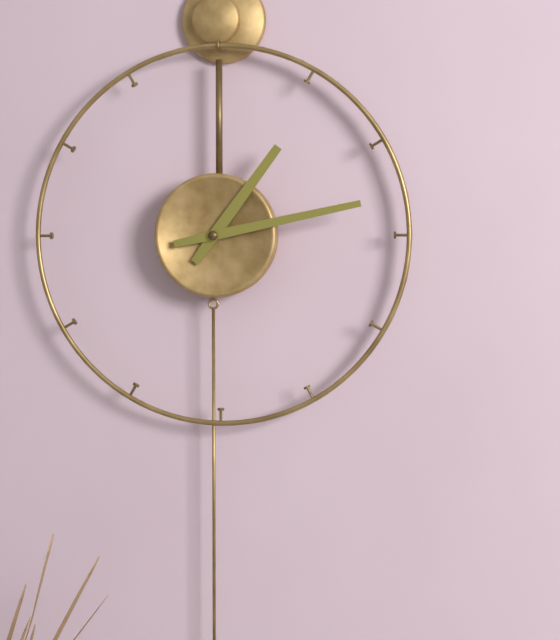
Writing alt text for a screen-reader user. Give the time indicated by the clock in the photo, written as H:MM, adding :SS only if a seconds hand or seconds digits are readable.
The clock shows 1:13
